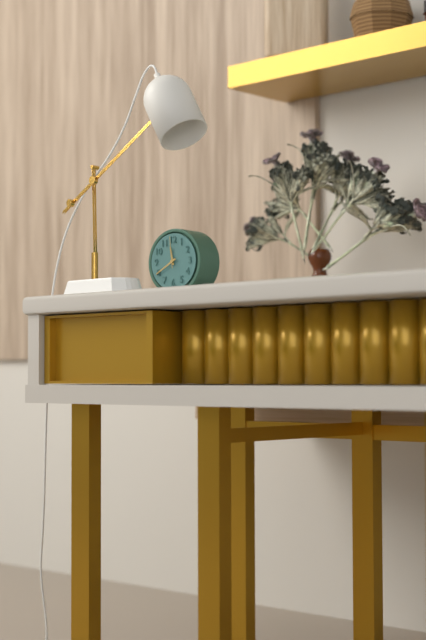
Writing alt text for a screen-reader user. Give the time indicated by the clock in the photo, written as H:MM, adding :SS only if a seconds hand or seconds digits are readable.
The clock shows 11:40
